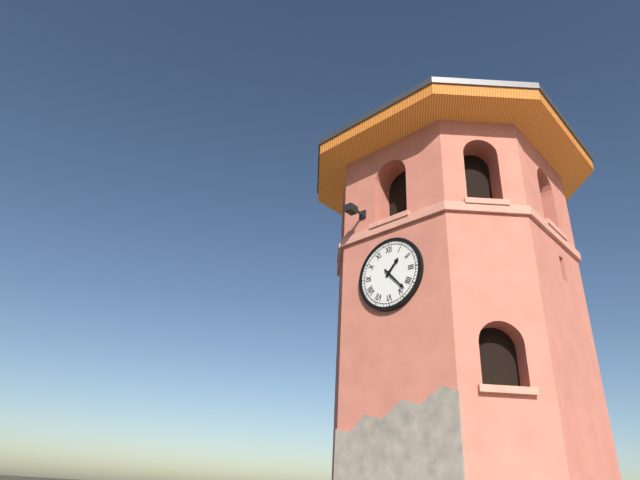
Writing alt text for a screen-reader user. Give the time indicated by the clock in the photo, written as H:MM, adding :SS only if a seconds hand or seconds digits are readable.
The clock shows 1:23
